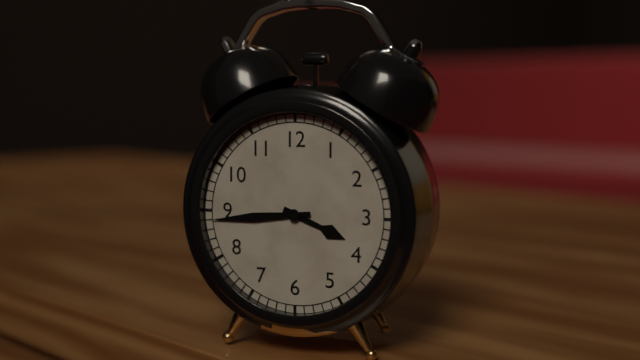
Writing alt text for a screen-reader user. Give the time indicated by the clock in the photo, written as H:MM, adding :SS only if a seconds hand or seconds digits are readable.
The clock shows 3:44
